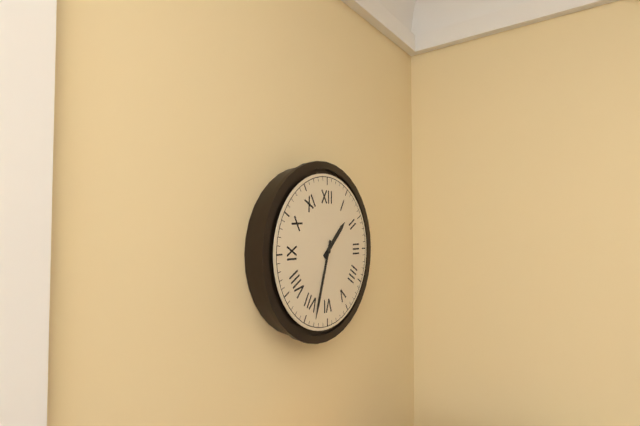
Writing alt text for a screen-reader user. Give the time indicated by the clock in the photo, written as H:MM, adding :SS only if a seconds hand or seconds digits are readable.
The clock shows 1:33
